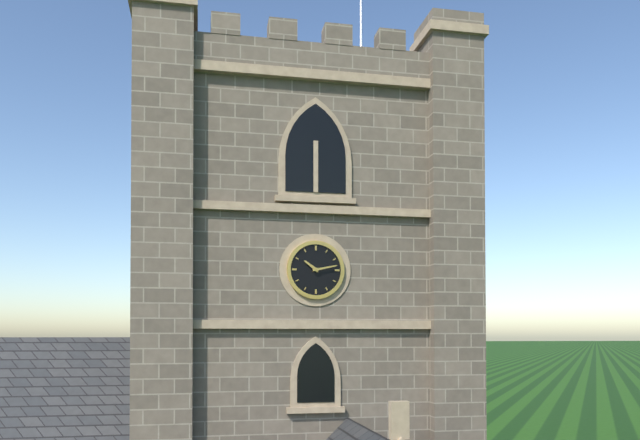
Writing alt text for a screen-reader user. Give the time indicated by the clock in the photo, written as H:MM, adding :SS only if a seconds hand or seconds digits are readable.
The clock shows 10:13
